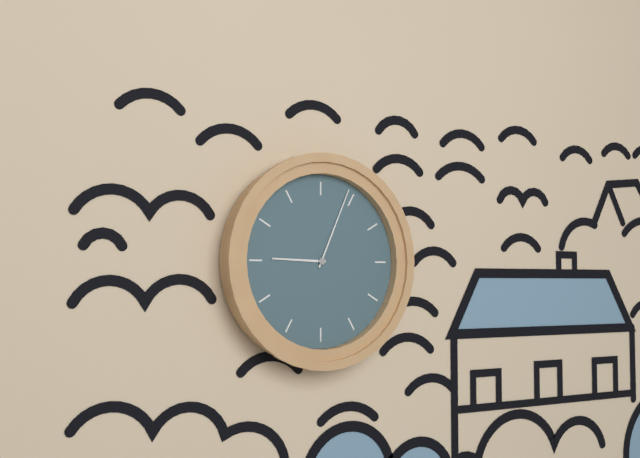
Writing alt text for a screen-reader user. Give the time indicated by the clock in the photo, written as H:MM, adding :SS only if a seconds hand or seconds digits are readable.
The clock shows 9:04
